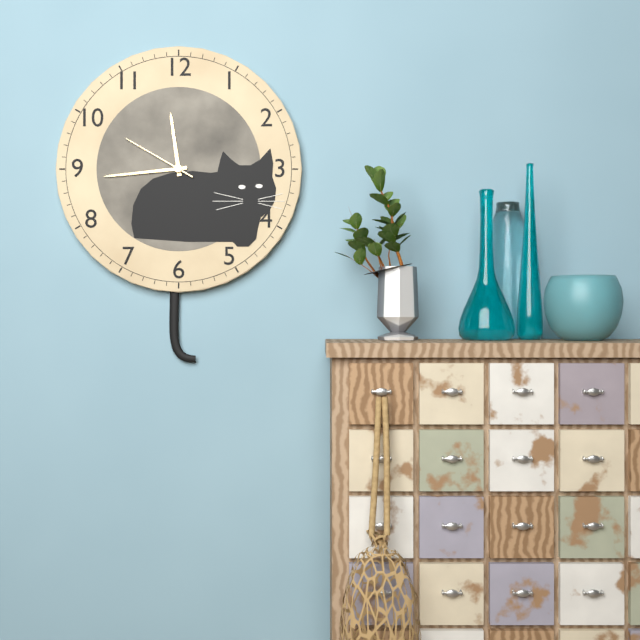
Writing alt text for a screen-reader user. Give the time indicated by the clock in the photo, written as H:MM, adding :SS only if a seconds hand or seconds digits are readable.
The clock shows 11:44:50
